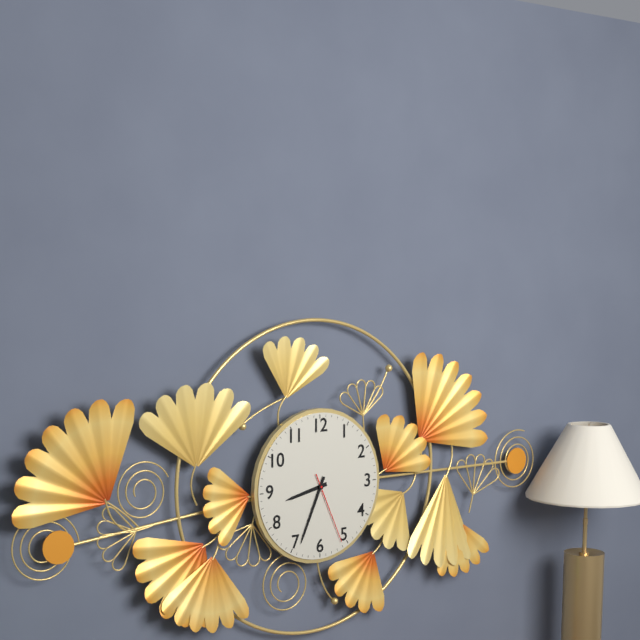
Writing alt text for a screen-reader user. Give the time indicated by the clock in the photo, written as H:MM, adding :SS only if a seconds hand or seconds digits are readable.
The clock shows 8:34:26
